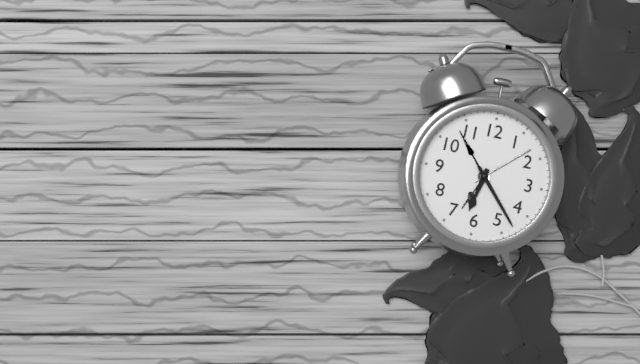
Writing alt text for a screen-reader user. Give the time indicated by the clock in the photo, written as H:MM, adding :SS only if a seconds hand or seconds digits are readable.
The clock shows 6:23
